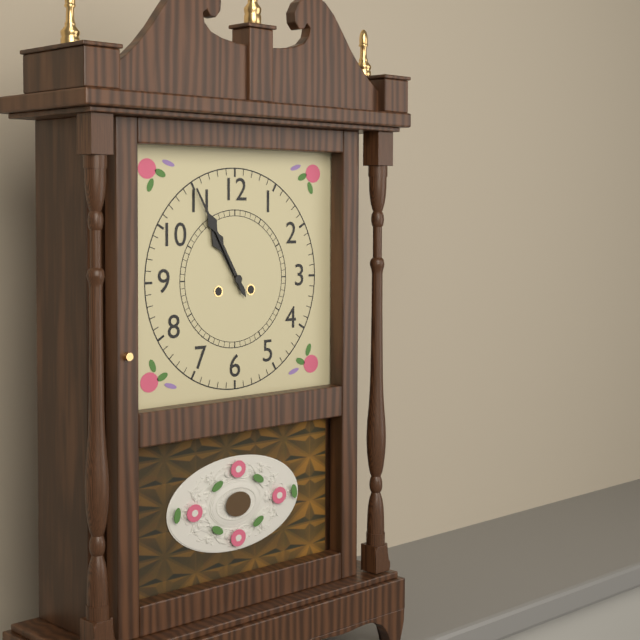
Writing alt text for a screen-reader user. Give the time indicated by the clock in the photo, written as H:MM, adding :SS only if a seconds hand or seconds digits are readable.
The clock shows 10:55
